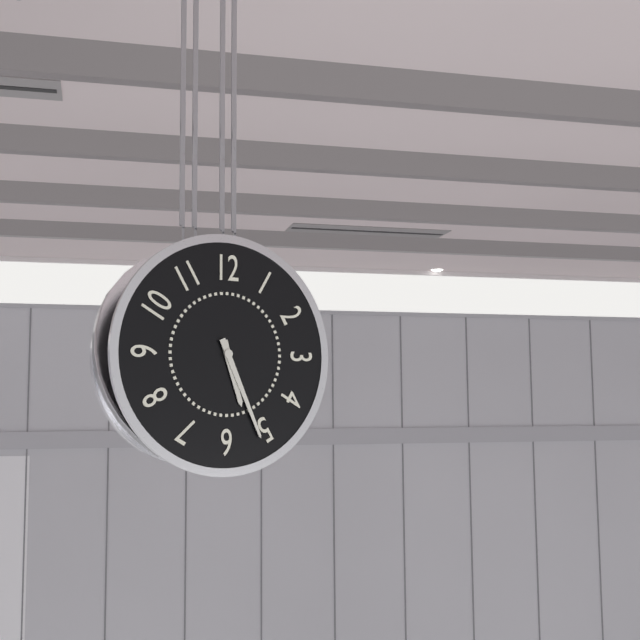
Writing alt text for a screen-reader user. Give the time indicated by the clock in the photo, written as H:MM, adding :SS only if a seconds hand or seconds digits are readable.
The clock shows 5:26
